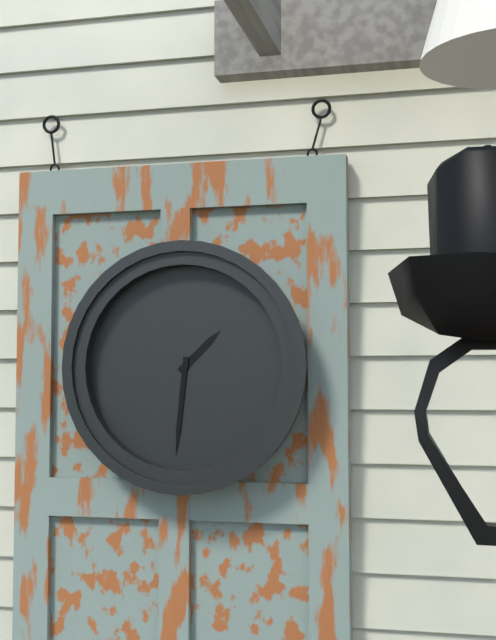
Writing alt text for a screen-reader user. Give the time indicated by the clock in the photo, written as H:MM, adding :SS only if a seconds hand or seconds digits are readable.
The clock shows 1:31
